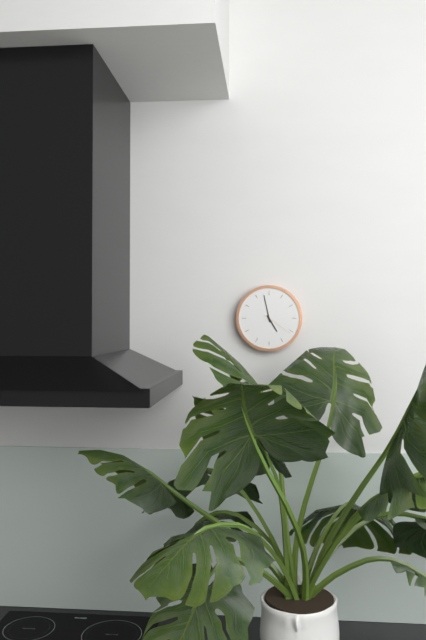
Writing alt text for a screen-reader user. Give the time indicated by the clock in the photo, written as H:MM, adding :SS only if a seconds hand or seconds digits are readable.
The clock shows 4:58
